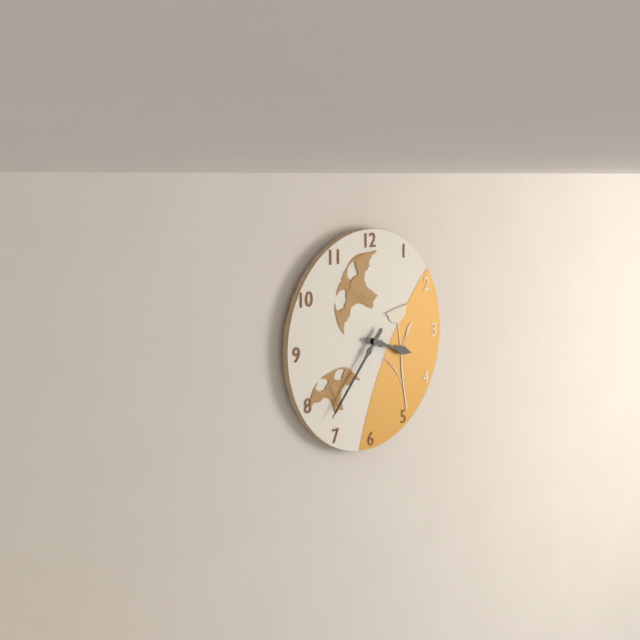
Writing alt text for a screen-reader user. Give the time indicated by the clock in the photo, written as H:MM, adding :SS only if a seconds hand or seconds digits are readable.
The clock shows 3:37
